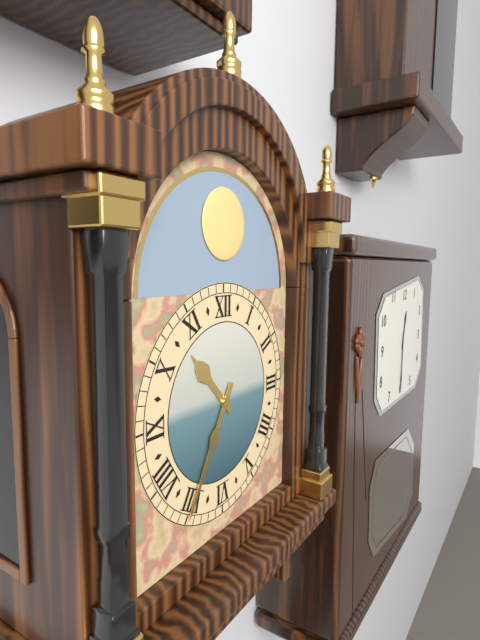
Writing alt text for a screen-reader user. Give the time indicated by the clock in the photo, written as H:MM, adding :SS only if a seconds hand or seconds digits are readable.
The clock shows 10:35
